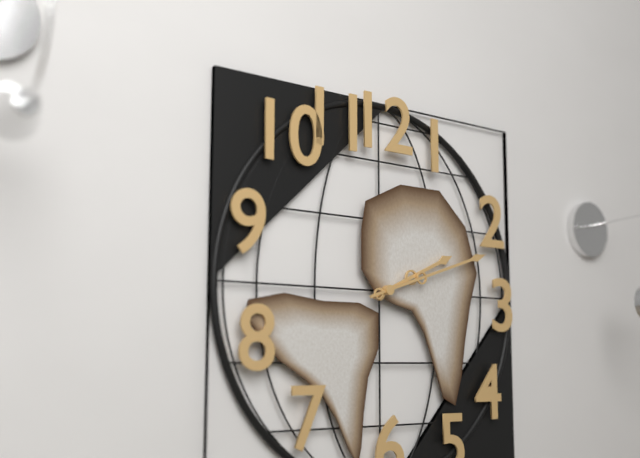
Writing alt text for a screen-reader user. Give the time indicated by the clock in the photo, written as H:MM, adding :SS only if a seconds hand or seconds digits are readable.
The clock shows 2:12
